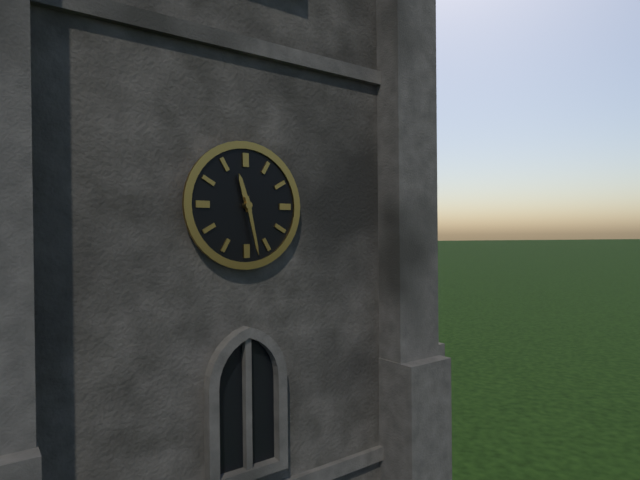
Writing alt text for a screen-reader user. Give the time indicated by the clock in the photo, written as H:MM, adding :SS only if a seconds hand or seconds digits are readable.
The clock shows 11:28
